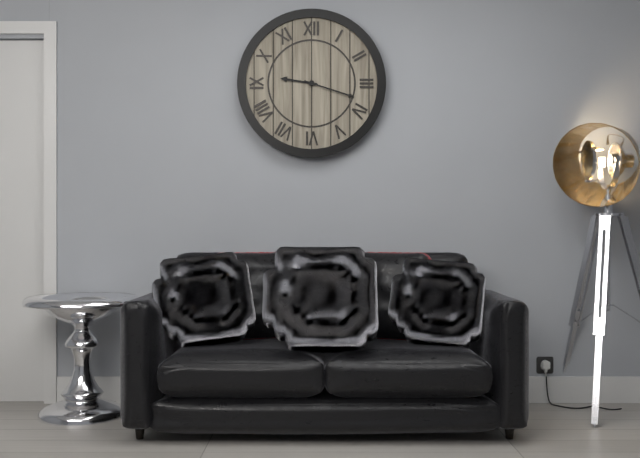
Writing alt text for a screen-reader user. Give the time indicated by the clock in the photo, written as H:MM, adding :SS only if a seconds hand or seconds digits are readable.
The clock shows 9:18
